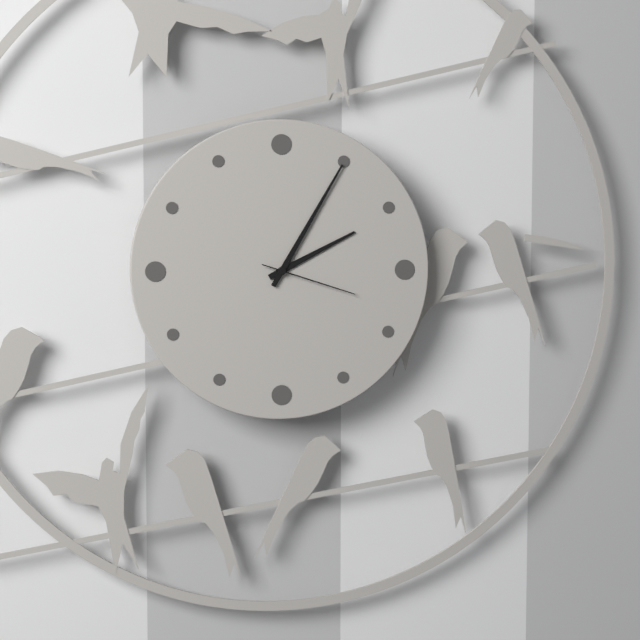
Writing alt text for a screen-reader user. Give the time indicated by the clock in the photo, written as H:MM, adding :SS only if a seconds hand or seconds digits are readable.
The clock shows 2:05:18
